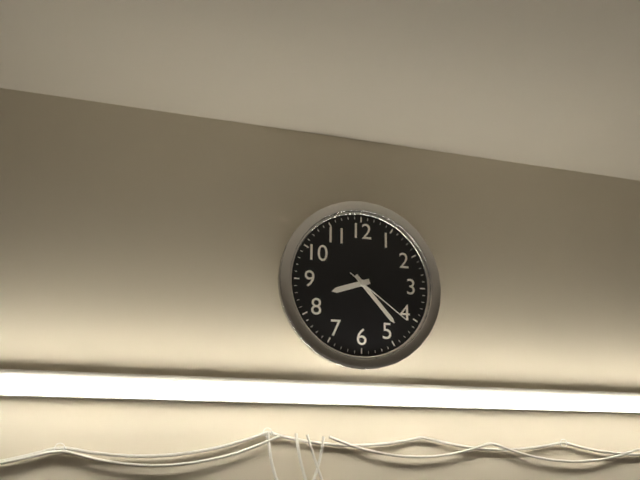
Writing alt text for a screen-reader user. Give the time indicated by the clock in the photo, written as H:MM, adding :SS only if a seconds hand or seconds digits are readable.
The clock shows 8:23:21
